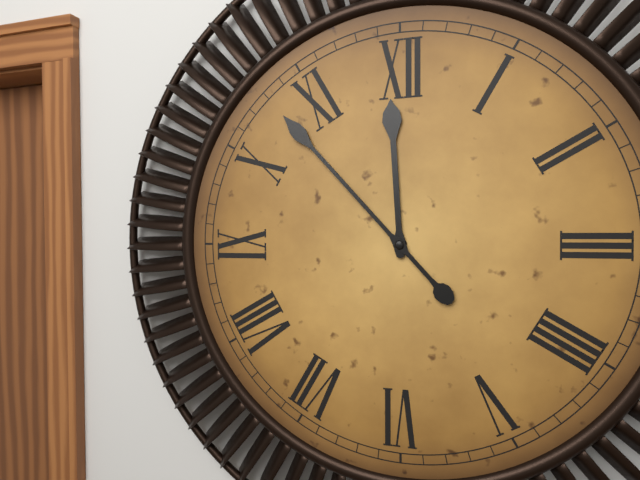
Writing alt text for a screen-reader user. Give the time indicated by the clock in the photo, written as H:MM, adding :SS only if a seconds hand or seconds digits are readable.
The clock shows 11:53
